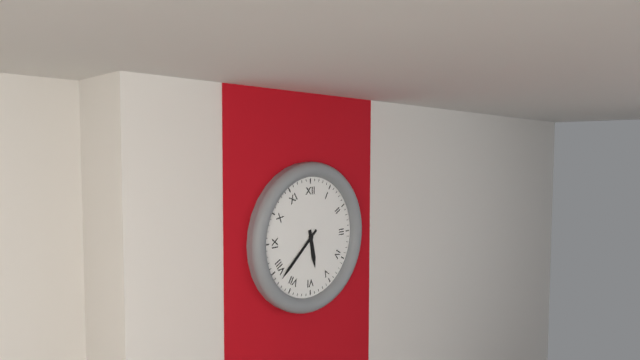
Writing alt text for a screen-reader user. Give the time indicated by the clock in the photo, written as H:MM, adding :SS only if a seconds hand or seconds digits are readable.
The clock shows 5:38
